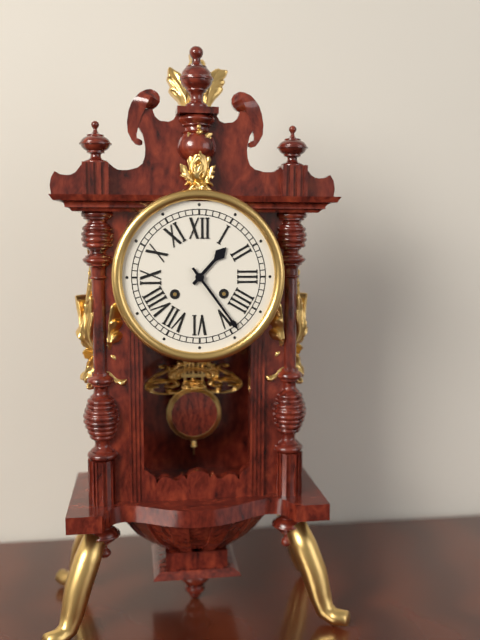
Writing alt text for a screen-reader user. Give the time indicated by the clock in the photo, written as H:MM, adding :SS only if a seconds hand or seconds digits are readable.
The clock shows 1:24
